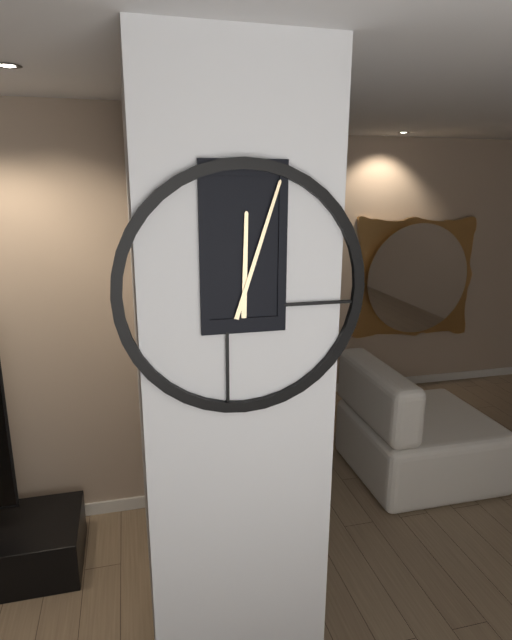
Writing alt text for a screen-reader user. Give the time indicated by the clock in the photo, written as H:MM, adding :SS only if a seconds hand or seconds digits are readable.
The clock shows 12:03
